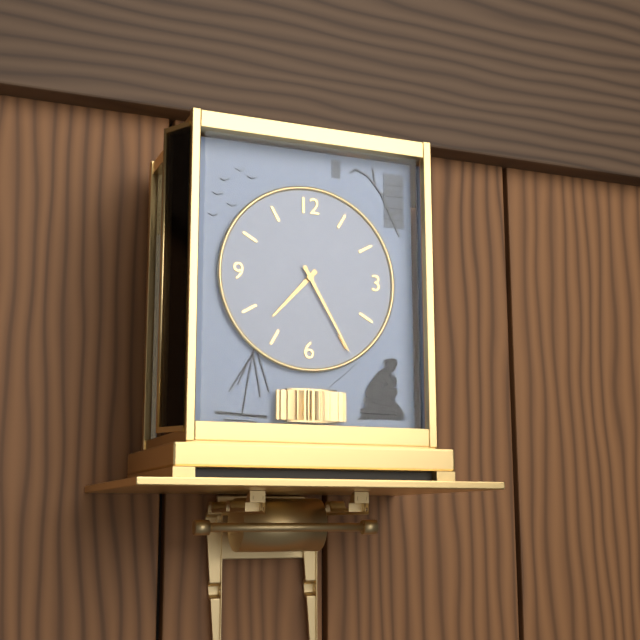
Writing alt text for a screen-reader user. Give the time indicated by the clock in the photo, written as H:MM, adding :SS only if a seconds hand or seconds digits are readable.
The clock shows 7:25
